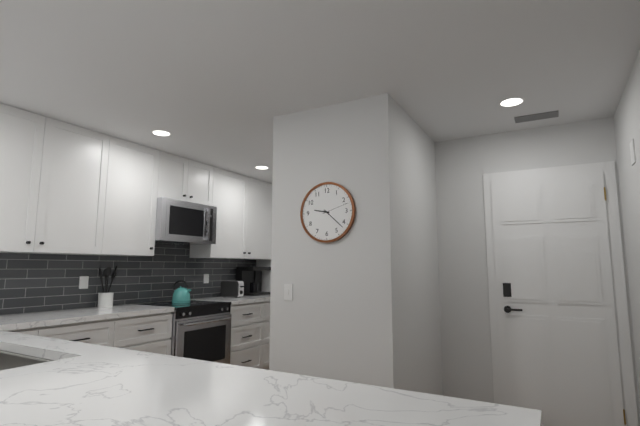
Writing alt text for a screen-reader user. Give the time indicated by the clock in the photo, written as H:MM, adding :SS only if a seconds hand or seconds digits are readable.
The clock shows 9:22
